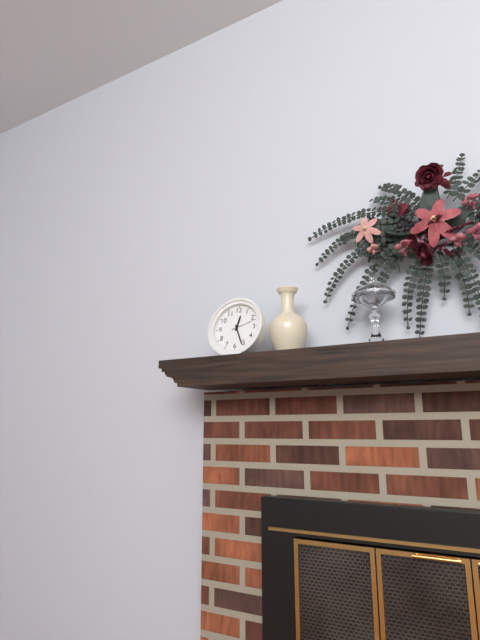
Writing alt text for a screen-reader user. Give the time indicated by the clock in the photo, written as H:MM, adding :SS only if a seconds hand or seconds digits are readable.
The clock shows 12:26
